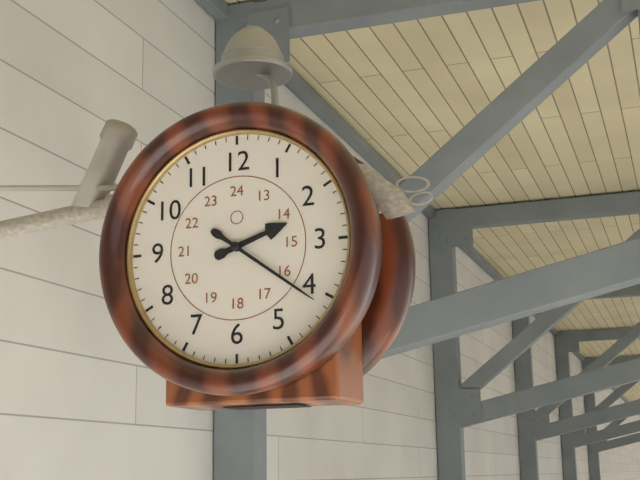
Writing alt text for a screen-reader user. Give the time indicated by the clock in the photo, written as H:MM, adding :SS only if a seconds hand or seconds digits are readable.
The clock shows 2:21
